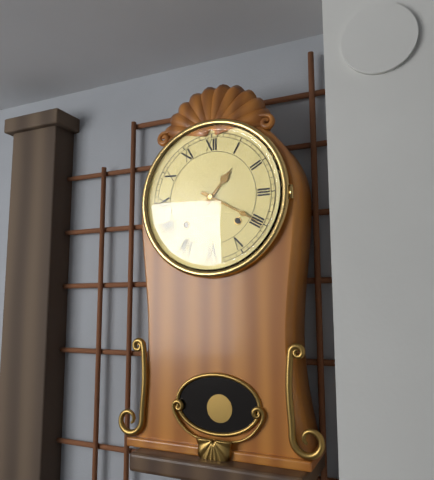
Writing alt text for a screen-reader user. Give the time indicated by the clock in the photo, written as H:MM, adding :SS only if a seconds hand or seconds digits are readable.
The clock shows 1:20
